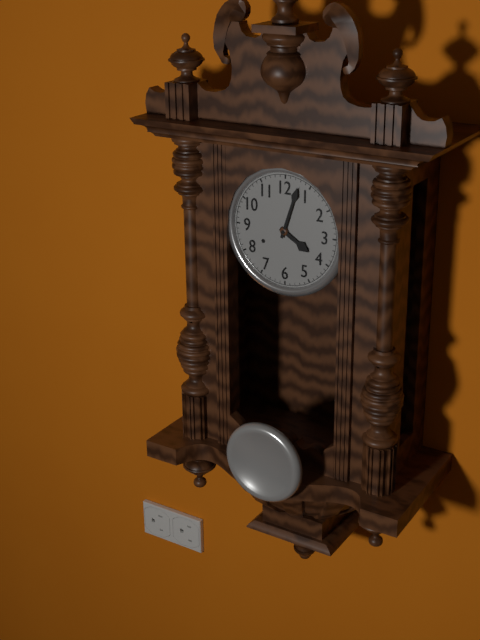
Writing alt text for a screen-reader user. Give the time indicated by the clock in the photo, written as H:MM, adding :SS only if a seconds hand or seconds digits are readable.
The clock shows 4:03
